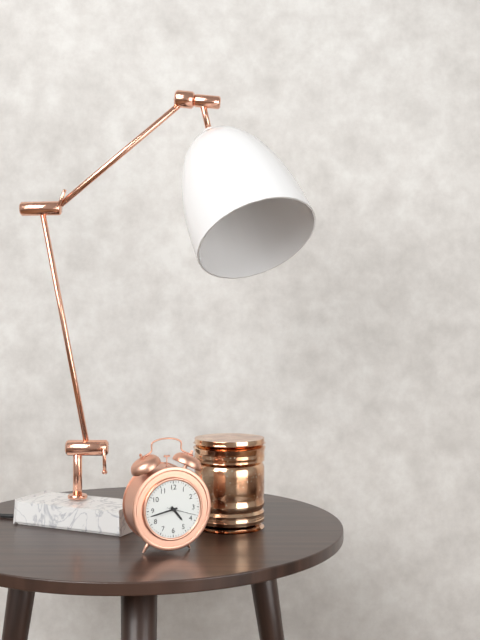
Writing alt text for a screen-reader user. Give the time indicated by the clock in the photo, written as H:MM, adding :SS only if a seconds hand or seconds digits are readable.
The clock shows 4:43
